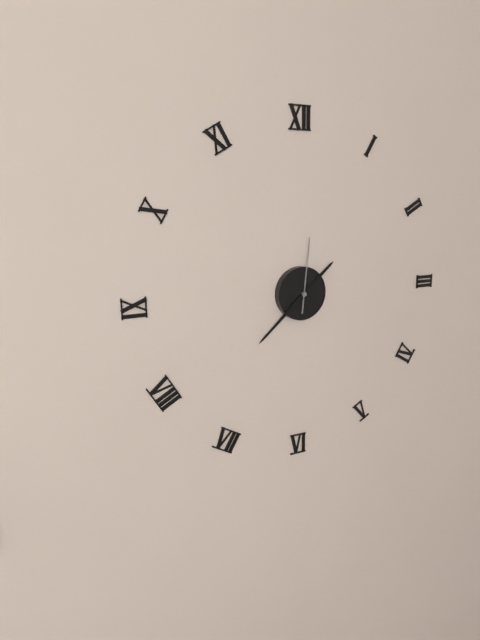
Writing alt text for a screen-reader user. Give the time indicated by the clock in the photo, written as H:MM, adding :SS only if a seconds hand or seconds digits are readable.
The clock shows 1:38:01
